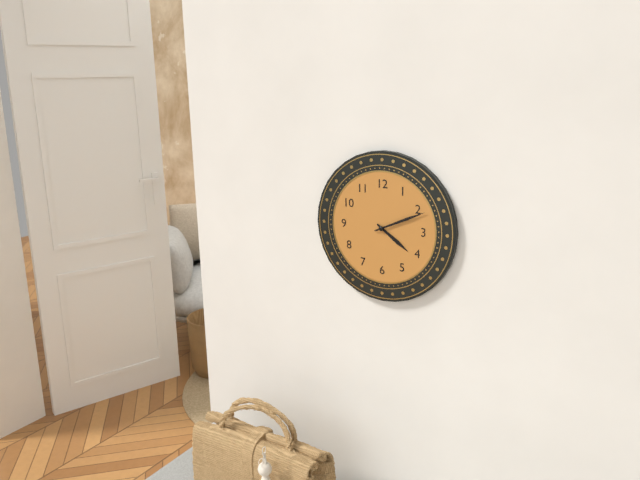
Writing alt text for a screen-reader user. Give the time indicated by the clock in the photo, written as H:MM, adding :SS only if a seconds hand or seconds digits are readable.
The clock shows 4:11
